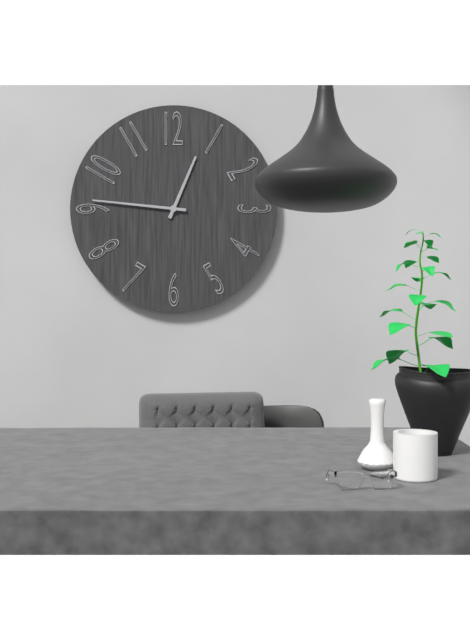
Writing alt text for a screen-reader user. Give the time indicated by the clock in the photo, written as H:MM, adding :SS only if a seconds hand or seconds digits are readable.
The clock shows 12:46
